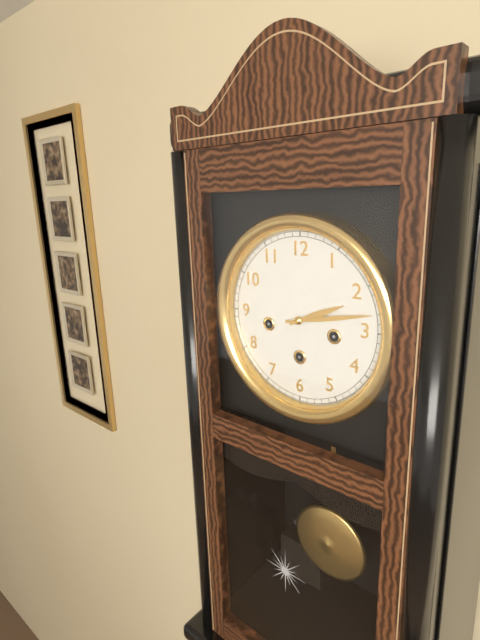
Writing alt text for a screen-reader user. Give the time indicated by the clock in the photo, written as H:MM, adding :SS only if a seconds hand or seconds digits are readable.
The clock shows 2:13
